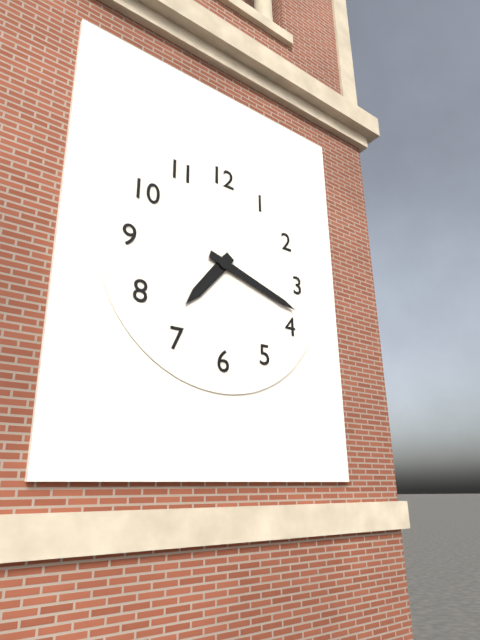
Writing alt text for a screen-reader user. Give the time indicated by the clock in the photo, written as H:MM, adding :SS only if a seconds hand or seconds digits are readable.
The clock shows 7:18
